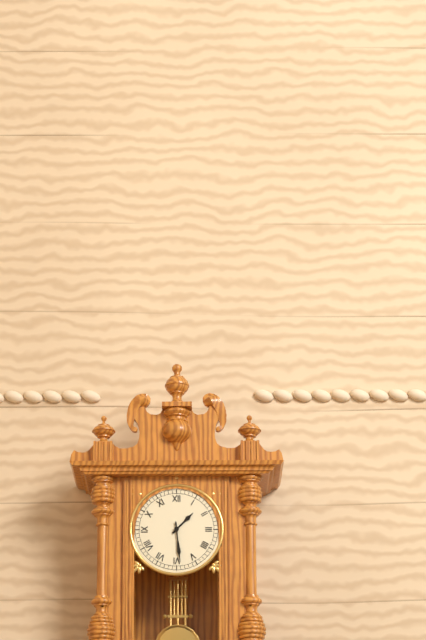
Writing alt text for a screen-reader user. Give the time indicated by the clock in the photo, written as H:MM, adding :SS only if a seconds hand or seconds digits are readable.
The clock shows 1:29
